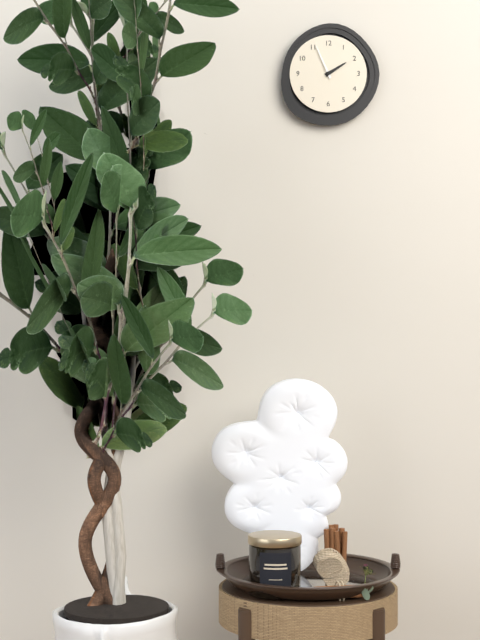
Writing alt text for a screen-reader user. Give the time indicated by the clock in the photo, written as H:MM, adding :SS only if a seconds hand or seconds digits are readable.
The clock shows 1:56
